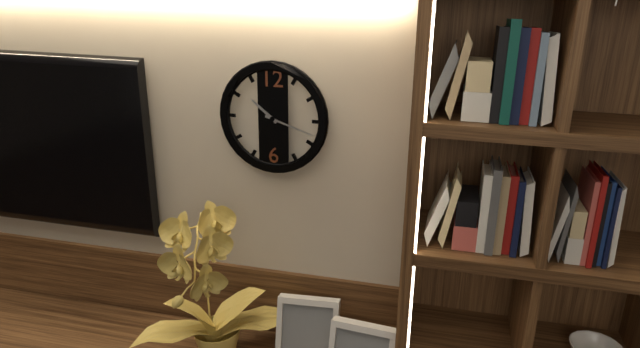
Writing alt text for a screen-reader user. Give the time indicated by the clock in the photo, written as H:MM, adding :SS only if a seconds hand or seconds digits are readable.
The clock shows 10:18
